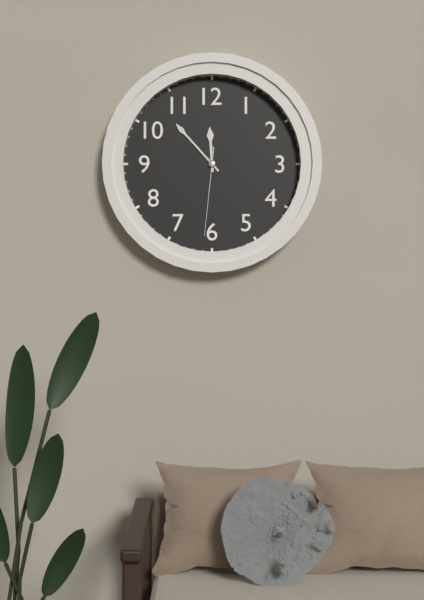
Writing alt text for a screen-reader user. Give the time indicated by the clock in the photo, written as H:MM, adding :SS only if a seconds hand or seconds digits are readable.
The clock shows 11:53:31
